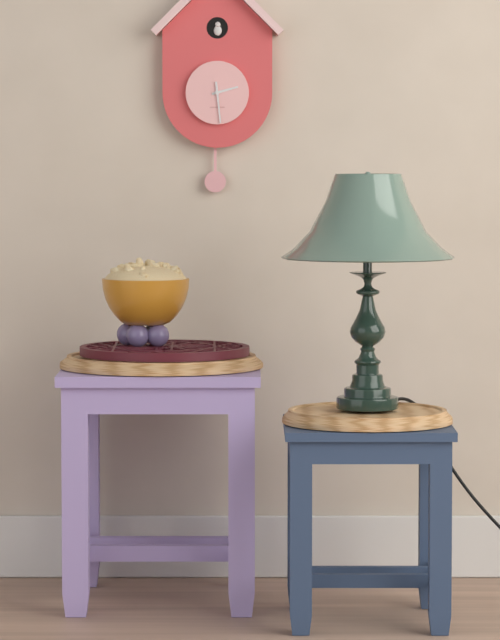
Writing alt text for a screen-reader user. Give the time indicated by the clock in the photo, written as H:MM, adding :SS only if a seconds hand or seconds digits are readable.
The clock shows 2:29
